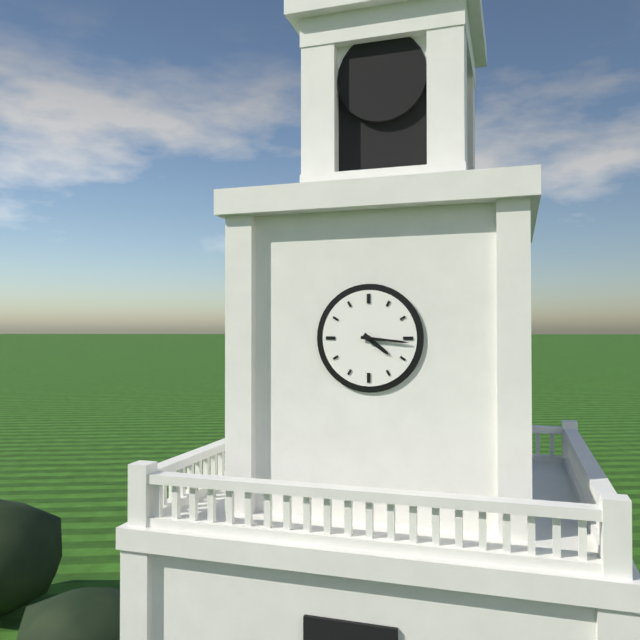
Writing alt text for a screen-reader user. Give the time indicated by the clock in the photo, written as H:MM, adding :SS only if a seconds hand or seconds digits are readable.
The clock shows 4:16
